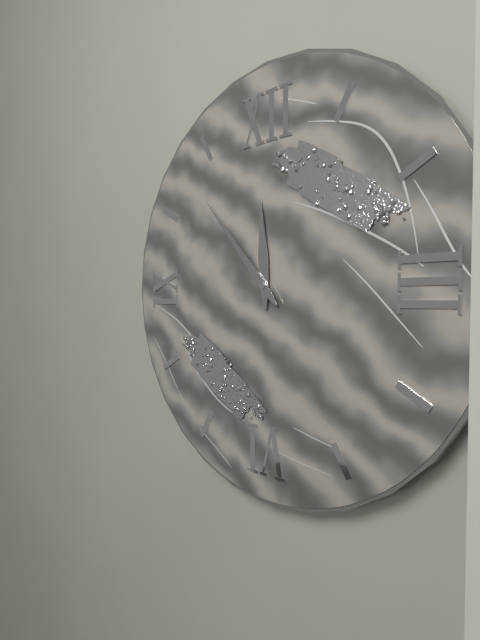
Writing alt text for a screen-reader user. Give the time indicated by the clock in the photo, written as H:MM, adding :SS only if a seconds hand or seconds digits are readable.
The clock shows 11:53
